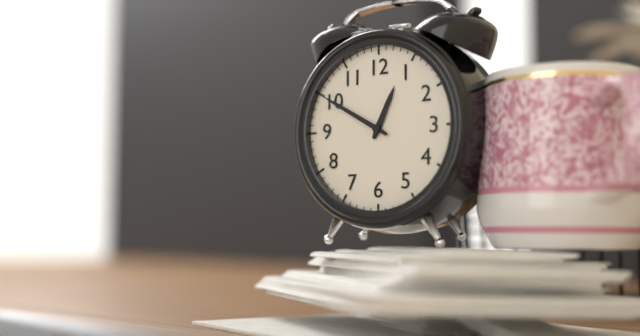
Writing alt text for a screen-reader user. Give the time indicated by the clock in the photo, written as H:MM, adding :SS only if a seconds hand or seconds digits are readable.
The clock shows 12:50
